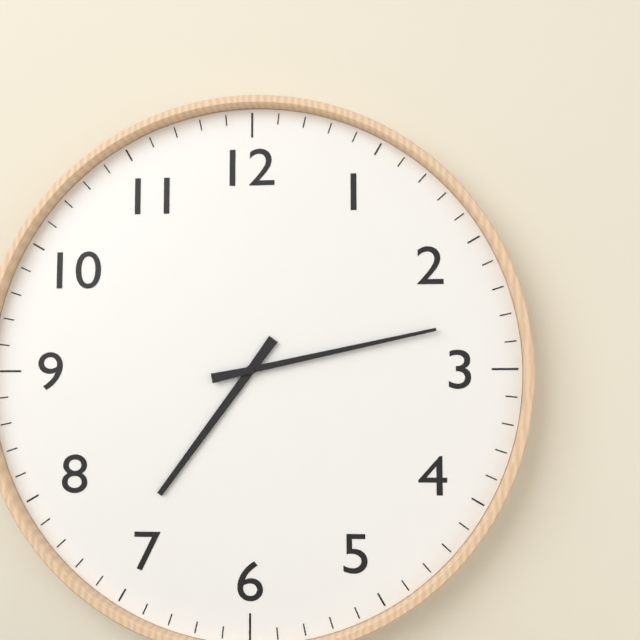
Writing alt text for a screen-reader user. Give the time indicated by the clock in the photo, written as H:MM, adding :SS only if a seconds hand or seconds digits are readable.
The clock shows 7:13
